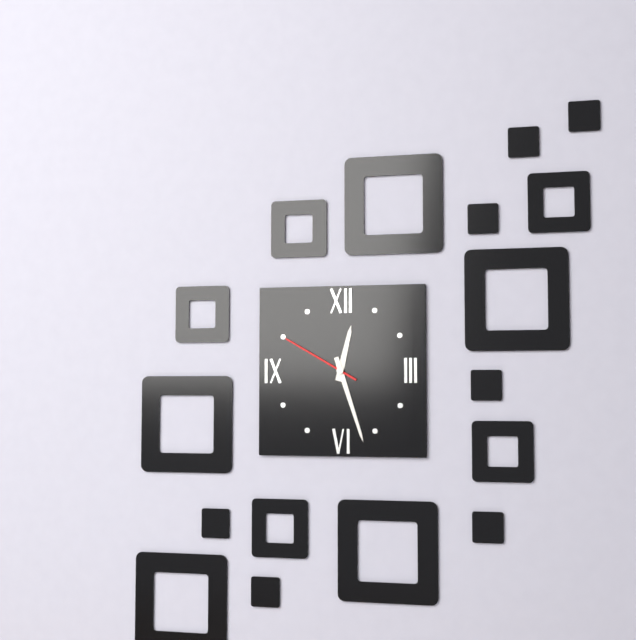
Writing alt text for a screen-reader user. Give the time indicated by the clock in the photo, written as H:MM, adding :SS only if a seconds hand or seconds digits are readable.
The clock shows 12:27:50
